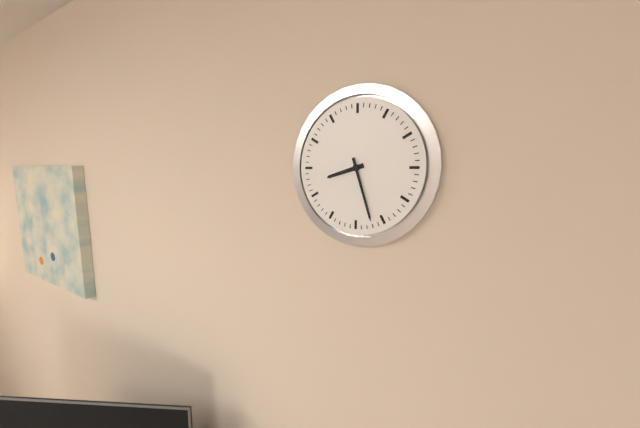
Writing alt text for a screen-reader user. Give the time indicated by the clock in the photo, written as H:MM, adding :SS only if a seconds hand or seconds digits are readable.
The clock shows 8:27
